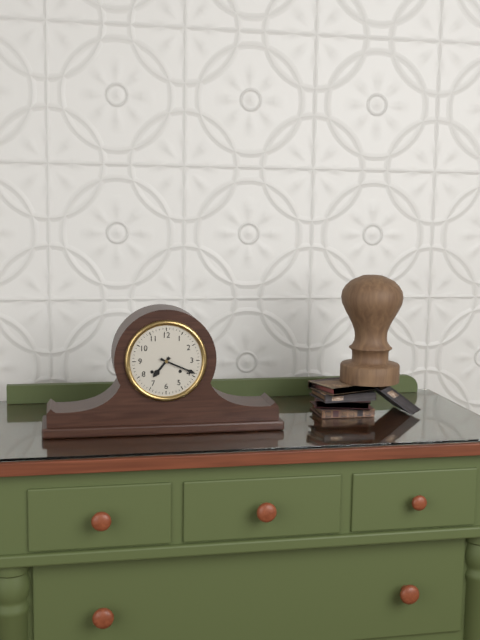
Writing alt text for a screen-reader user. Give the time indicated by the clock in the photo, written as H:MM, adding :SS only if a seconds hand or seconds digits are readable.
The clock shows 7:19
